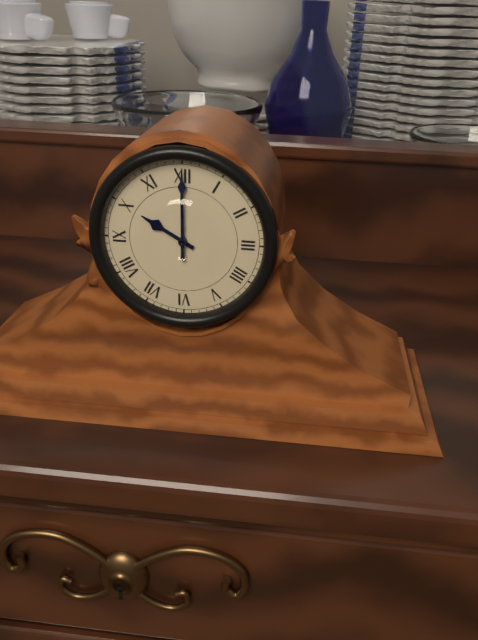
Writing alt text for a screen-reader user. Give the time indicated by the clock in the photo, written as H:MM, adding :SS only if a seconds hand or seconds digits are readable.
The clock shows 10:00
